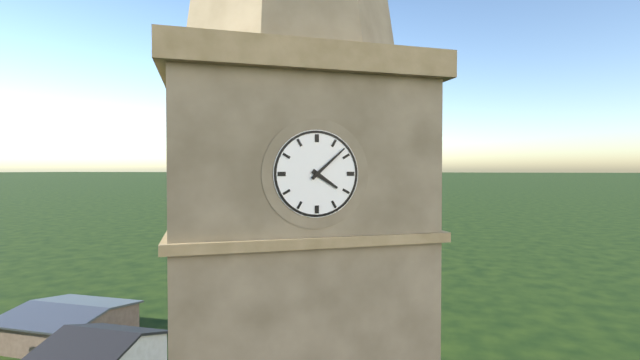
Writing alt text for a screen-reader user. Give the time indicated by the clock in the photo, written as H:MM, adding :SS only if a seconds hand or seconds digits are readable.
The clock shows 4:08
